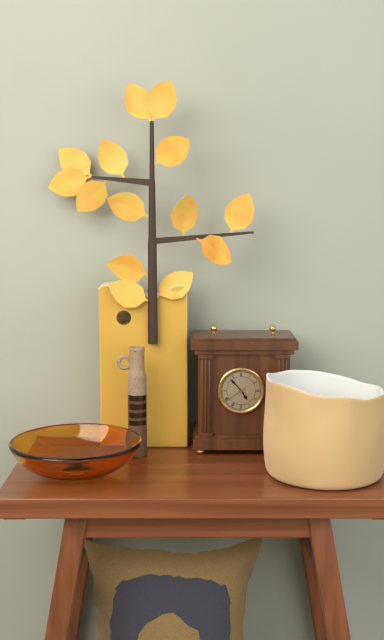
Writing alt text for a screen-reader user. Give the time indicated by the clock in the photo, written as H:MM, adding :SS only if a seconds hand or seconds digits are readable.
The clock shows 4:53
